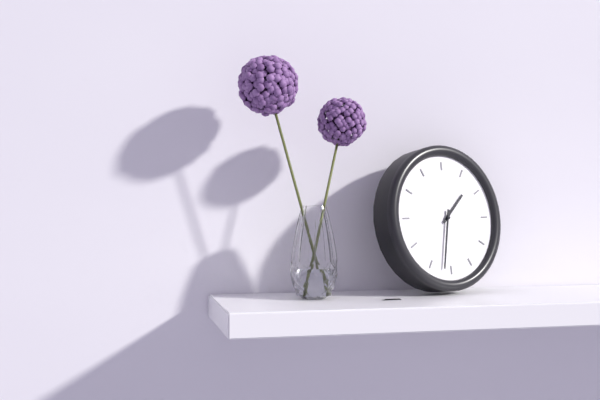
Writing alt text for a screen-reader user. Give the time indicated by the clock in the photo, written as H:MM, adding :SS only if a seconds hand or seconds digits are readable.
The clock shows 1:32
